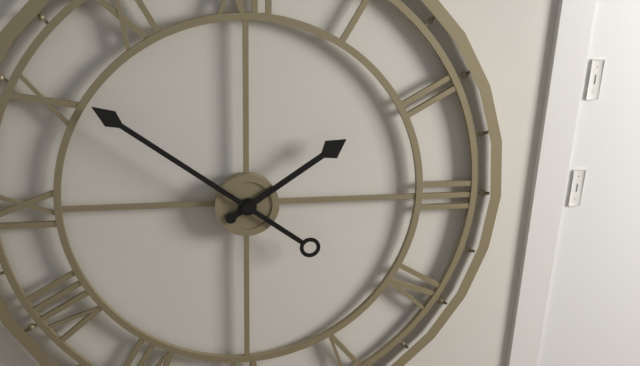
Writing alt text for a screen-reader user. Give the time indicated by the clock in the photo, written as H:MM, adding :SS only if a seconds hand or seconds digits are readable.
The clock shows 1:51
